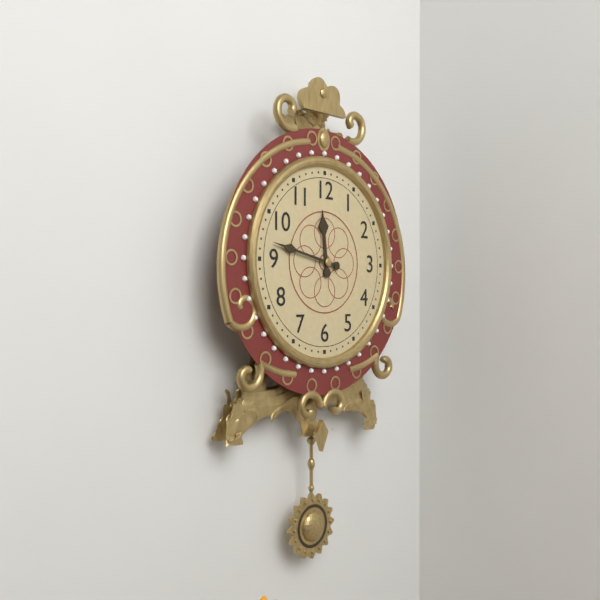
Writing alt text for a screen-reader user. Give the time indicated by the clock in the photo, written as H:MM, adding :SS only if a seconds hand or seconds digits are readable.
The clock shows 11:47
